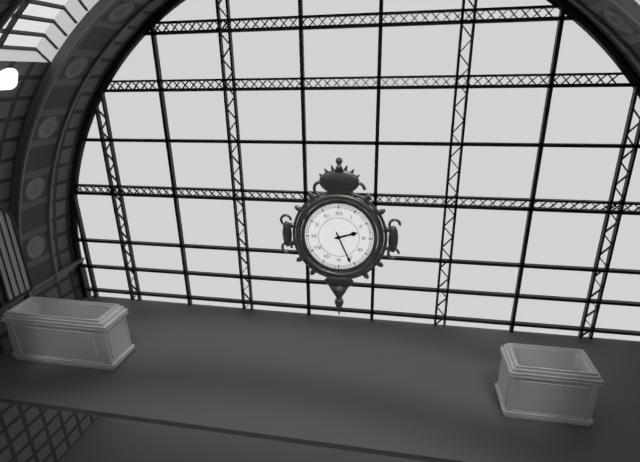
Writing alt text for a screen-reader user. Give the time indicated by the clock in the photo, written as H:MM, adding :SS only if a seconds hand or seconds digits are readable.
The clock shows 2:26
